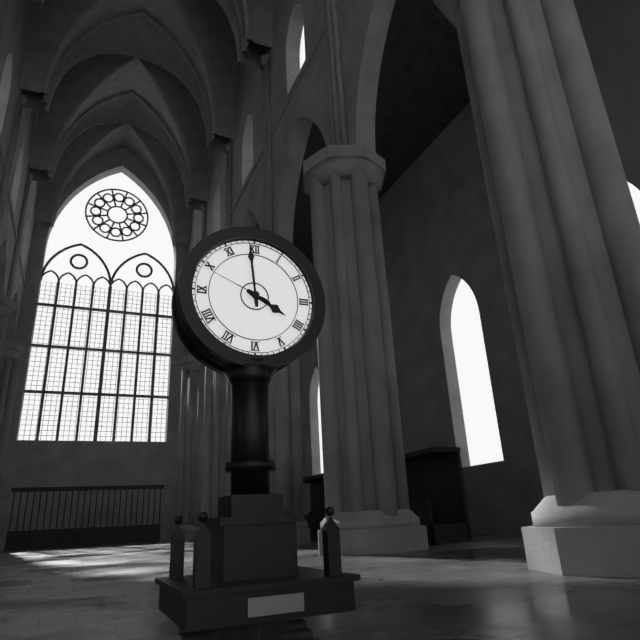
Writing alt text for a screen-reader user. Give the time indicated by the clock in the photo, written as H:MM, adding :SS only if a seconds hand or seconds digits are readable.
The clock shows 3:59:49
